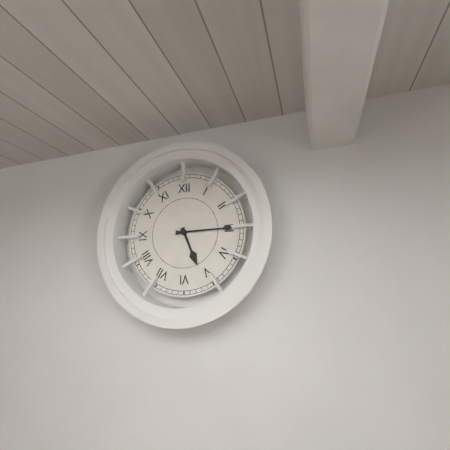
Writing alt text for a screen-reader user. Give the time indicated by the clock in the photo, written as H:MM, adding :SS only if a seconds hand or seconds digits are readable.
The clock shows 5:15
